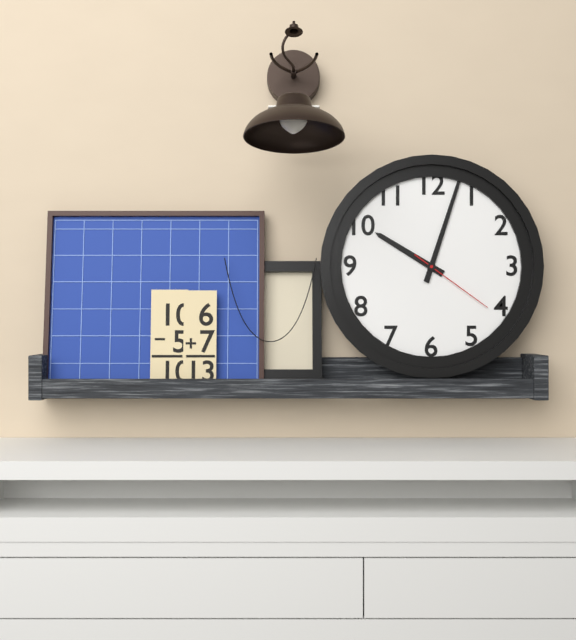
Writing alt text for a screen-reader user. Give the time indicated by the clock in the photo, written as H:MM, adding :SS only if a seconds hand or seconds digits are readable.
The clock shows 10:03:21
